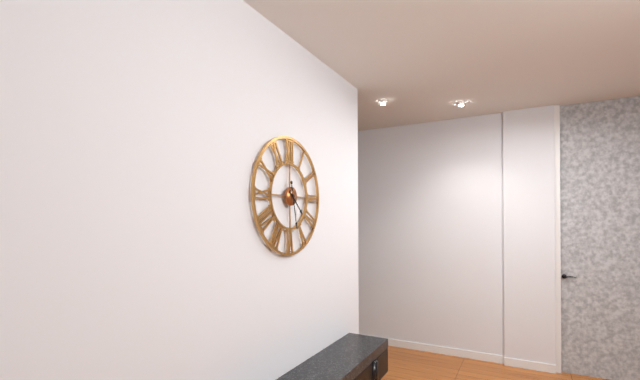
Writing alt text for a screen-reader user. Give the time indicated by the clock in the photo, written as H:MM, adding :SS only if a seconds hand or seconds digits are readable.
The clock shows 4:28
